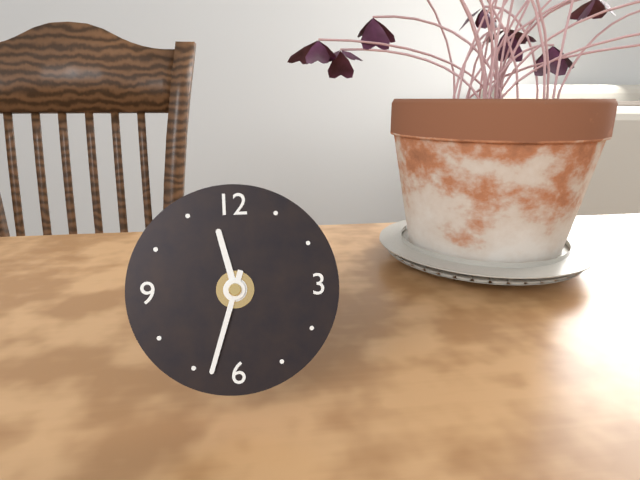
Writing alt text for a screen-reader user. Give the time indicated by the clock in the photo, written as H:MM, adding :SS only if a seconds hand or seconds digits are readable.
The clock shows 11:33
